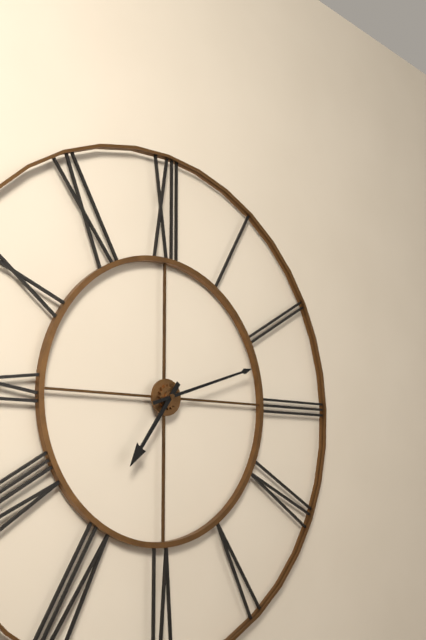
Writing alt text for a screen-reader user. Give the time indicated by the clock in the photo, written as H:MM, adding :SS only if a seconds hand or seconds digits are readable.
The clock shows 7:12
